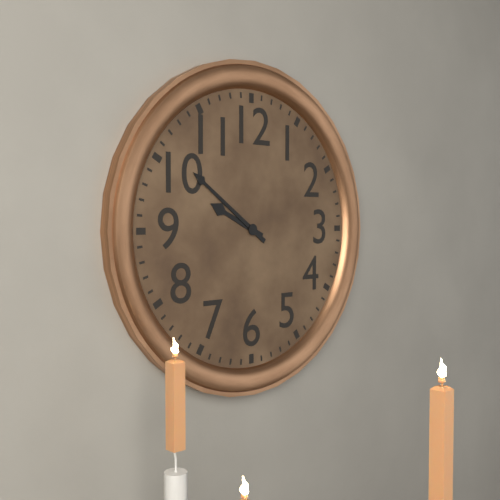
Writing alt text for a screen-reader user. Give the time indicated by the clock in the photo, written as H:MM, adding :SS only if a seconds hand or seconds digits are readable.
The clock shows 9:51
